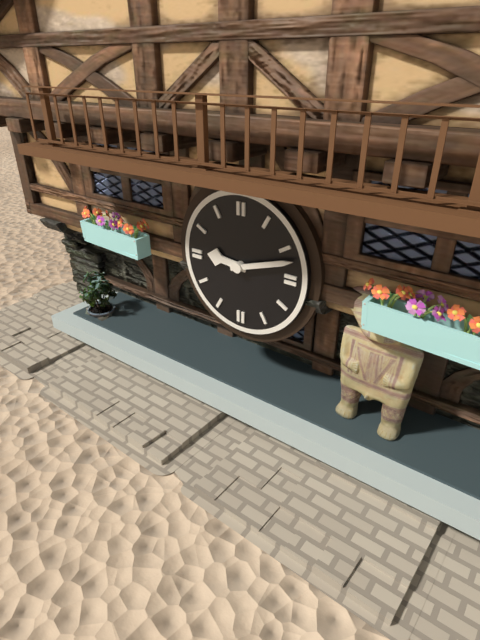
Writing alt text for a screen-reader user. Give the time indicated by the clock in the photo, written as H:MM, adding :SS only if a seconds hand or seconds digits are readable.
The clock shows 9:12
